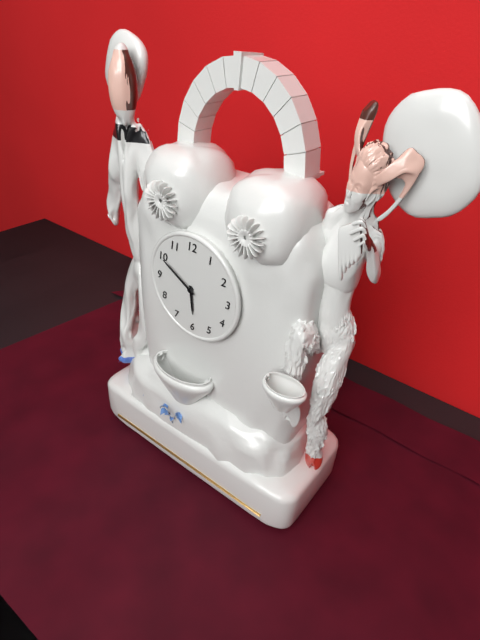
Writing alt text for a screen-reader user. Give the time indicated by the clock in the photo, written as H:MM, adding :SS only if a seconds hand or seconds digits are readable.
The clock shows 5:50
